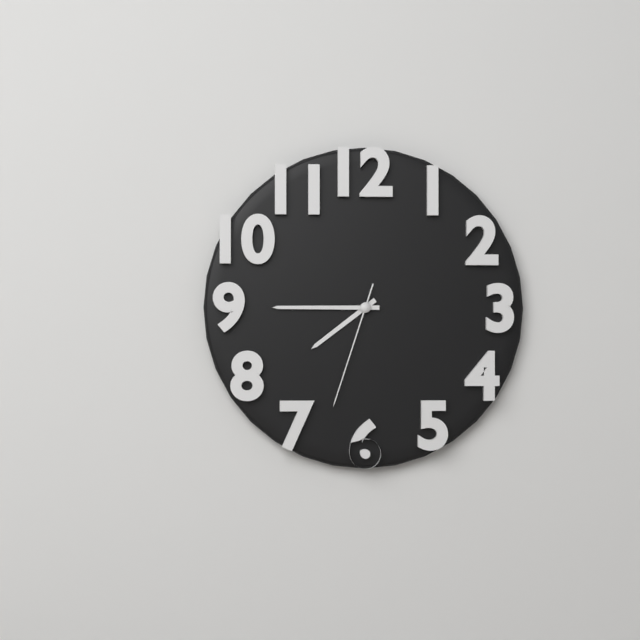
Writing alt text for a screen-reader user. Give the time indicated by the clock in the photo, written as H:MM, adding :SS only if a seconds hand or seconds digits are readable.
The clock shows 7:45:33
